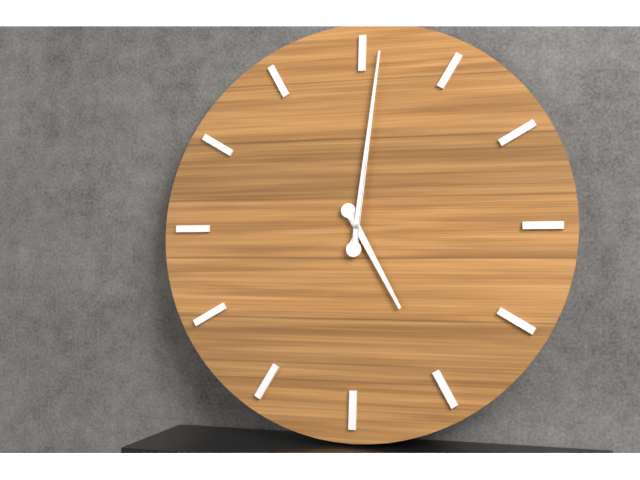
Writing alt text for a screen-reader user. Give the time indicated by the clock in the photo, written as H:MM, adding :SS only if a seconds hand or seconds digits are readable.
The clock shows 5:01
